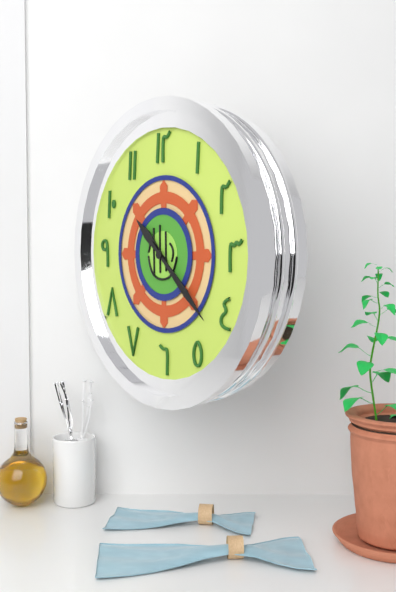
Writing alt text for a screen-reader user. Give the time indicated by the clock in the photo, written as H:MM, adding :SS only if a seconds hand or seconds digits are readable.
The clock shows 10:22
